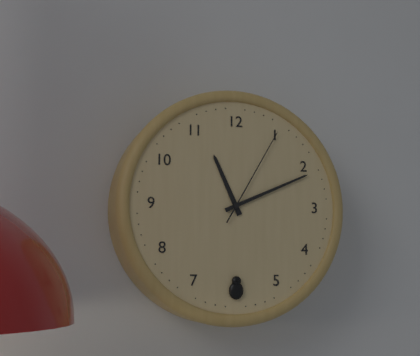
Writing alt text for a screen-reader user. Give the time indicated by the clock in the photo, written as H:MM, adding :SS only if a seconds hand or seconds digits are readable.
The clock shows 11:11:05
